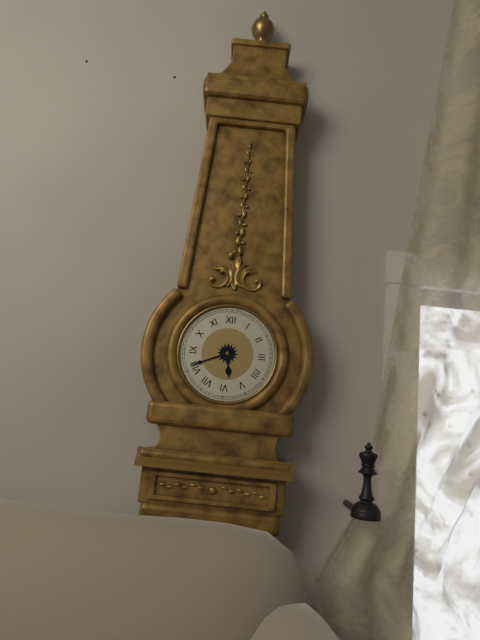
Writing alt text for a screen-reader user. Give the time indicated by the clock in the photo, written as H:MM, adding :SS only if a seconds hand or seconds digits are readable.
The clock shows 5:41
